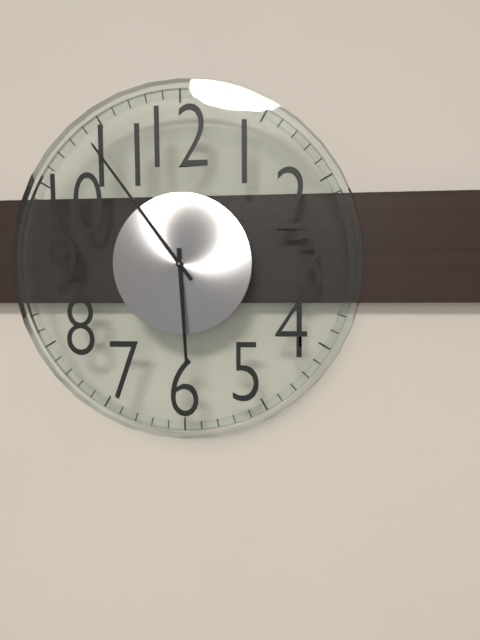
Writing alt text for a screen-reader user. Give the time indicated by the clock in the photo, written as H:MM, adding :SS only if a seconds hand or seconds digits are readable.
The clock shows 5:54
